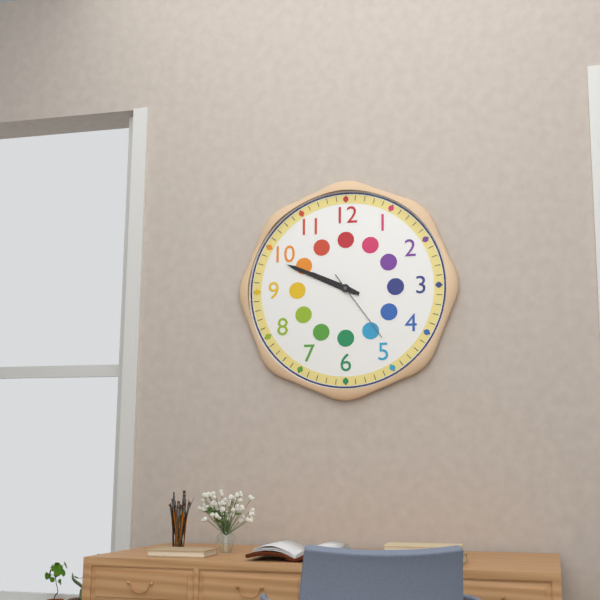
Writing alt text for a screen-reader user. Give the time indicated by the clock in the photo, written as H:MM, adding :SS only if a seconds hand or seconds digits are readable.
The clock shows 9:49:24
